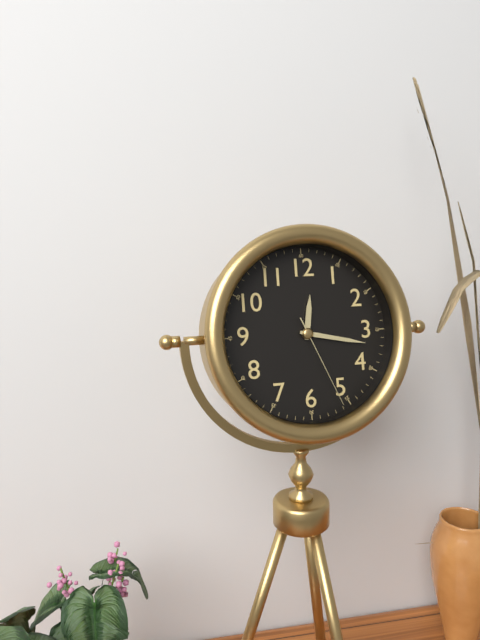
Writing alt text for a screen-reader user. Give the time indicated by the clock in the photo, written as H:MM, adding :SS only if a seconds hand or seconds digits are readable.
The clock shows 12:17:26
